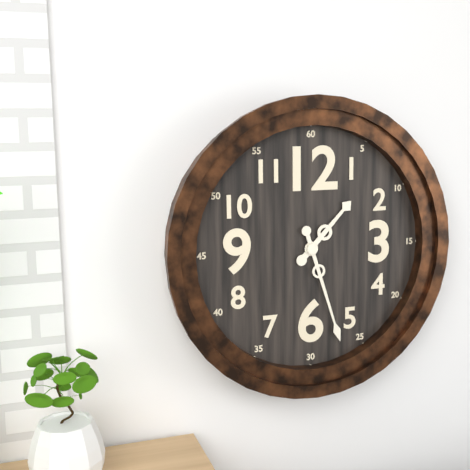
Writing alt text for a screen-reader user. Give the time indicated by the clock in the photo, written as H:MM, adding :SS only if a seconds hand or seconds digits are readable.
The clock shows 1:27
